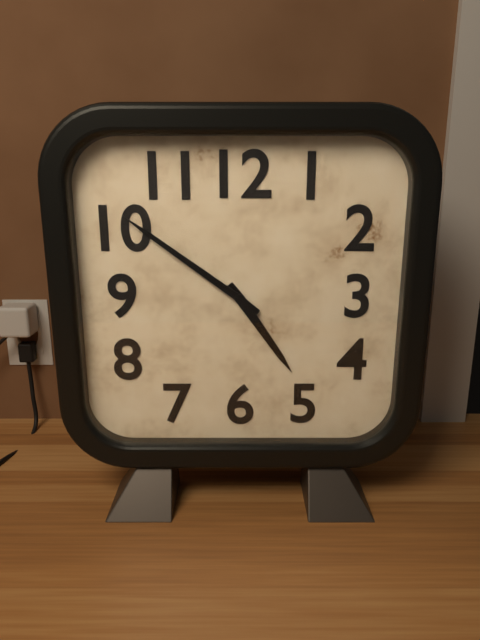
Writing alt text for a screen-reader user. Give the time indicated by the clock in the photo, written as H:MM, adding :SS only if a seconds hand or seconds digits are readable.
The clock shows 4:51
